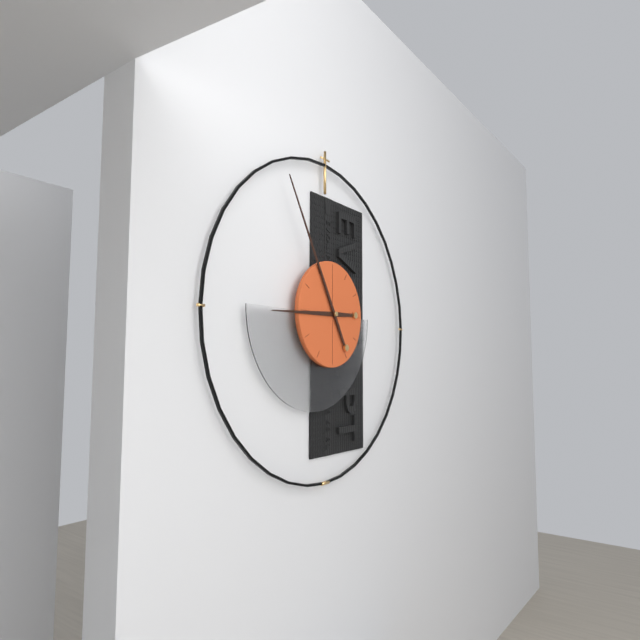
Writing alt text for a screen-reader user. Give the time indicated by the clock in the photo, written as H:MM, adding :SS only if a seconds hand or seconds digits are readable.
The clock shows 8:55
